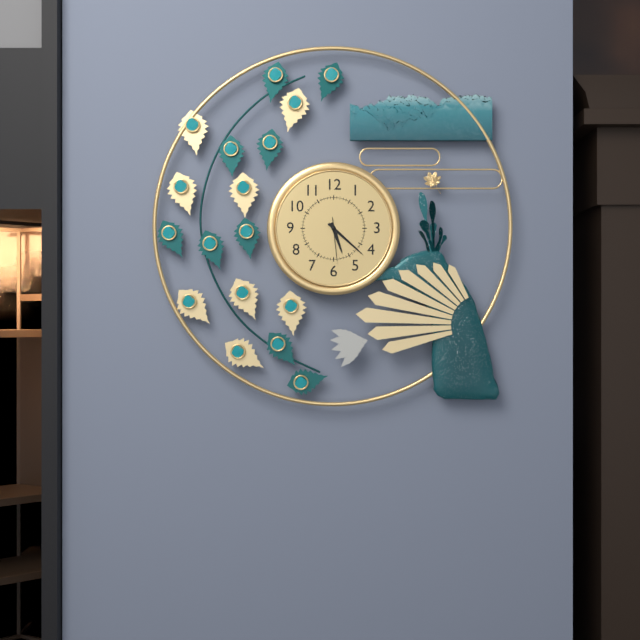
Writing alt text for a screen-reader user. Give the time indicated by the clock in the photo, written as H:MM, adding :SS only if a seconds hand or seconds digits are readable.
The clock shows 5:22
